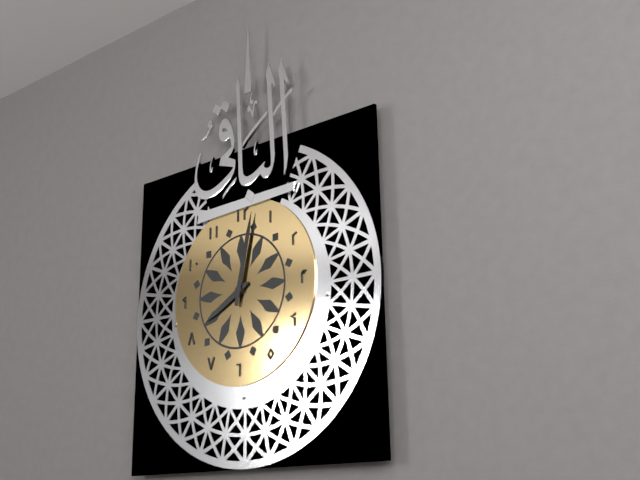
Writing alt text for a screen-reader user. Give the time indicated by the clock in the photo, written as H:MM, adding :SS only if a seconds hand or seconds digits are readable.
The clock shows 8:02
